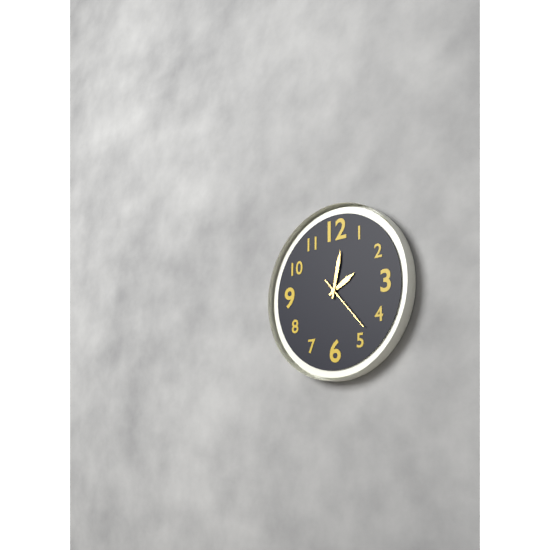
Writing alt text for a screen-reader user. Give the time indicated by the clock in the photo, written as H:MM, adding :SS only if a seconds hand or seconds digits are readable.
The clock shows 2:02:23
